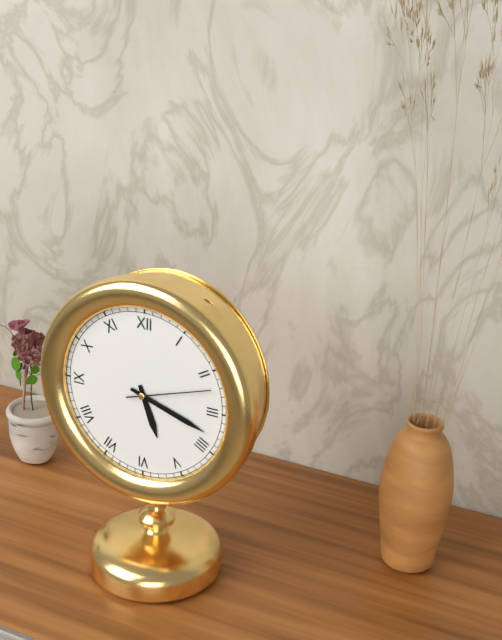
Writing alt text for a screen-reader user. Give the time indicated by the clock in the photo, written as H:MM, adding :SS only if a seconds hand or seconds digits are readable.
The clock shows 5:18:12
